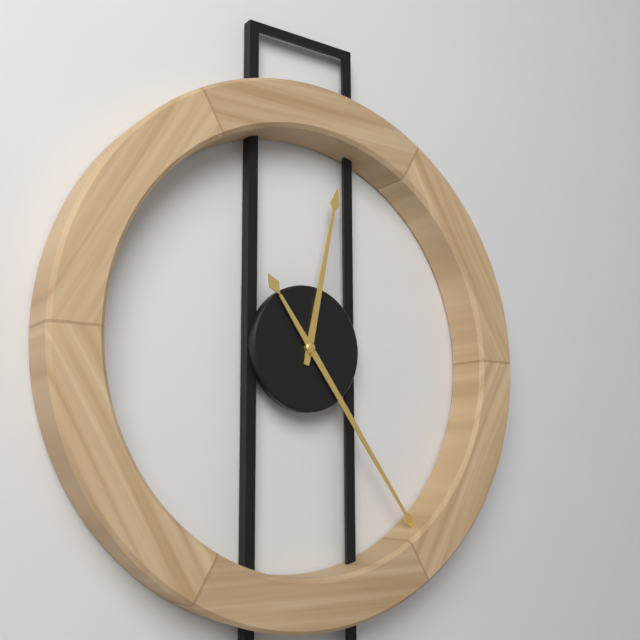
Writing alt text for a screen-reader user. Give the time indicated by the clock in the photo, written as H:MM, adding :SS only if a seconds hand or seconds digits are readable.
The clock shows 12:24
